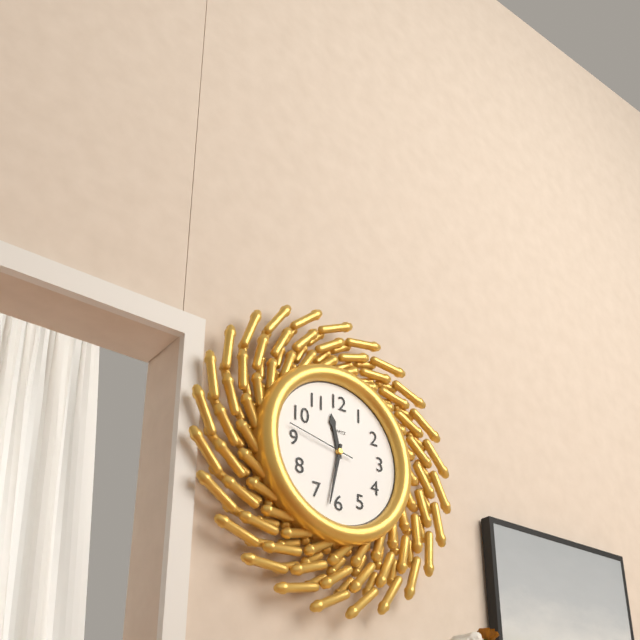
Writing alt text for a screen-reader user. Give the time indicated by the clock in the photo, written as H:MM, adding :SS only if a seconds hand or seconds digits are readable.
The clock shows 11:32:47
